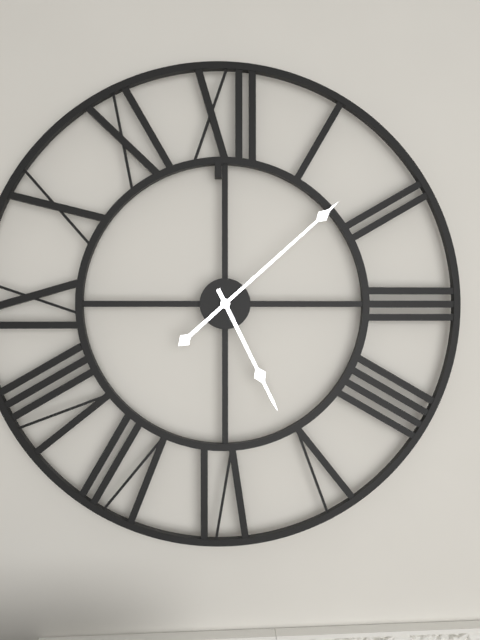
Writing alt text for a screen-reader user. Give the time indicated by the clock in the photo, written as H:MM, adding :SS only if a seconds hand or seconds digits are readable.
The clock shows 5:08
